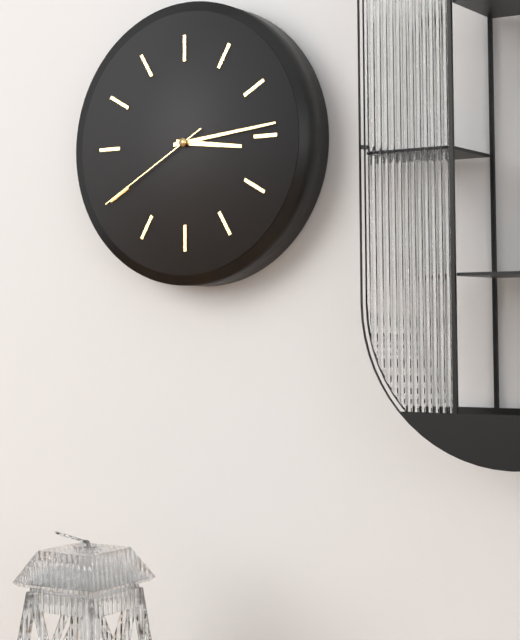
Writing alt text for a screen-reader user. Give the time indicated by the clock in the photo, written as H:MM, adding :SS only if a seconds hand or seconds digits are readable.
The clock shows 3:14:40
